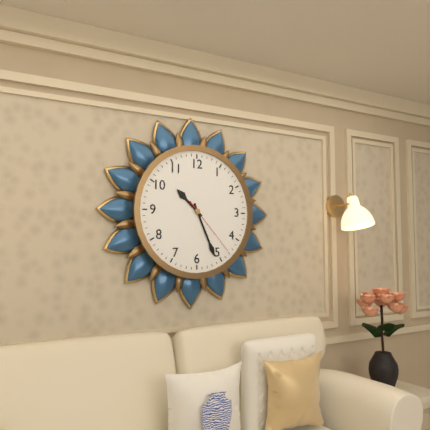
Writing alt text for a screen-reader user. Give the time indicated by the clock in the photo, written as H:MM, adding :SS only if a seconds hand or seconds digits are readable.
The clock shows 10:26:23
